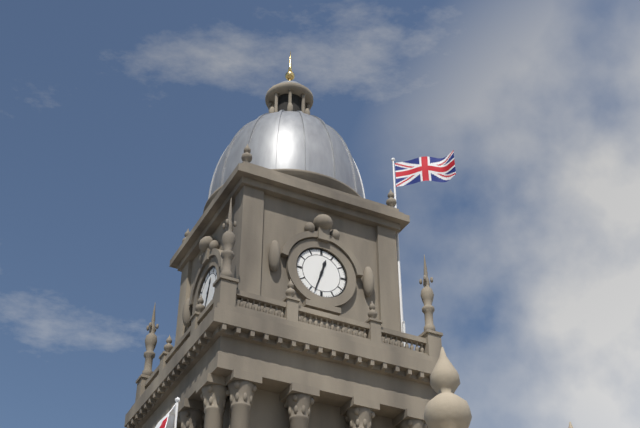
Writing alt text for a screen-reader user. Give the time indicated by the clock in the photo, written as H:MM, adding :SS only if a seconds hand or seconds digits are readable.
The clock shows 12:33
